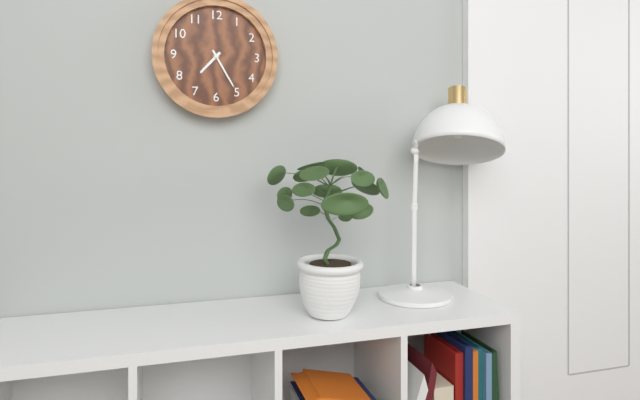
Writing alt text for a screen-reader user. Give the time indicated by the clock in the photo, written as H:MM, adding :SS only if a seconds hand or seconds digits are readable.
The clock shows 7:25
